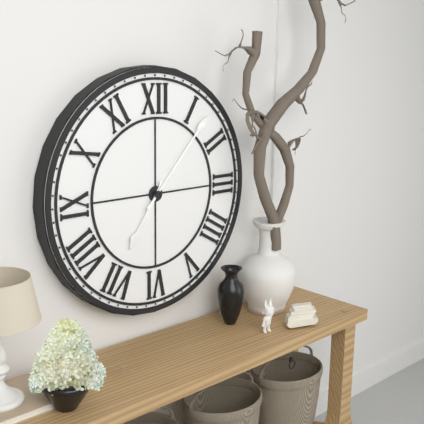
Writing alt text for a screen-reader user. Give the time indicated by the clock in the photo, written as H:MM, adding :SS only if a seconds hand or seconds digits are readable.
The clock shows 7:07
